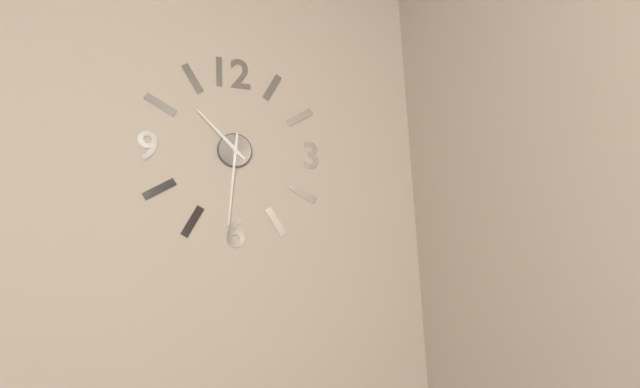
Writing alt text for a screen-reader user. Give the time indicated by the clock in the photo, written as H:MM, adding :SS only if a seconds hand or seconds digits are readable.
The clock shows 10:31
